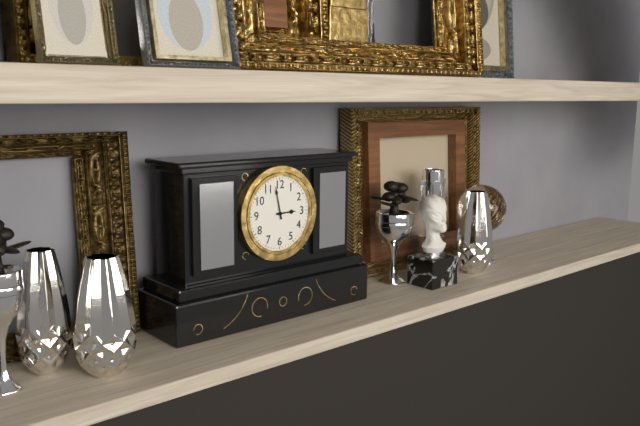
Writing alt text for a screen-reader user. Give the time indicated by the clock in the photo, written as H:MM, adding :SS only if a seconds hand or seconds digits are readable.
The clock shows 2:58
